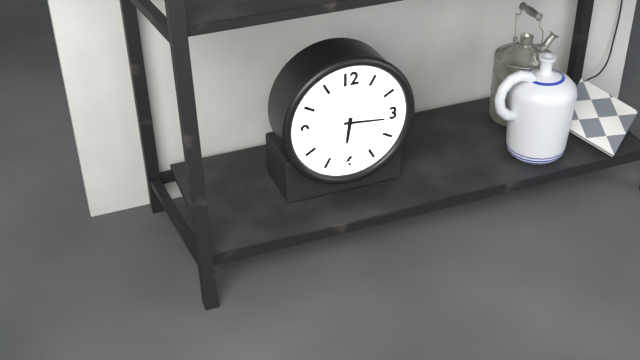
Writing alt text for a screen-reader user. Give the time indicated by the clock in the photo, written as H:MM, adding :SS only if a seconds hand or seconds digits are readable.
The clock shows 6:16
